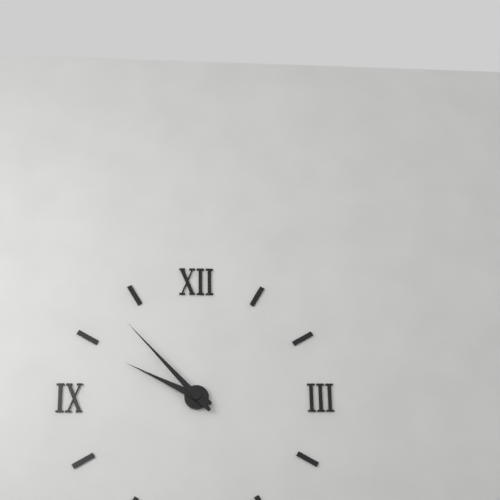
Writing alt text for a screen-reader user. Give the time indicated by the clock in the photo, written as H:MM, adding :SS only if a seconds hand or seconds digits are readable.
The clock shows 9:53
